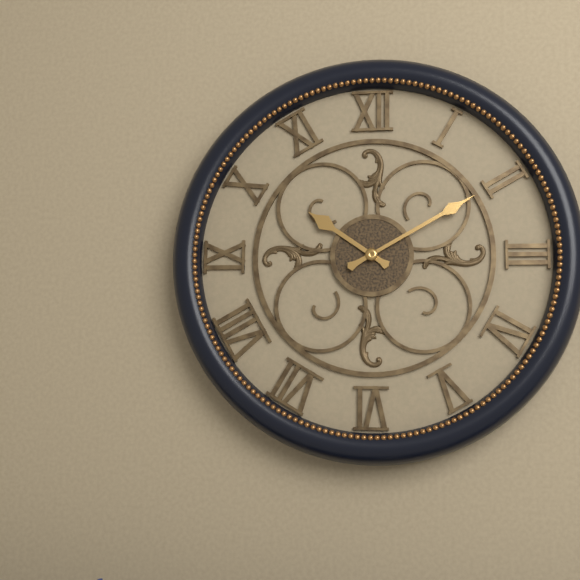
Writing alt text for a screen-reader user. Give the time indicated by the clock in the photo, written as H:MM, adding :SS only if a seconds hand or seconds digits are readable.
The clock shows 10:10
